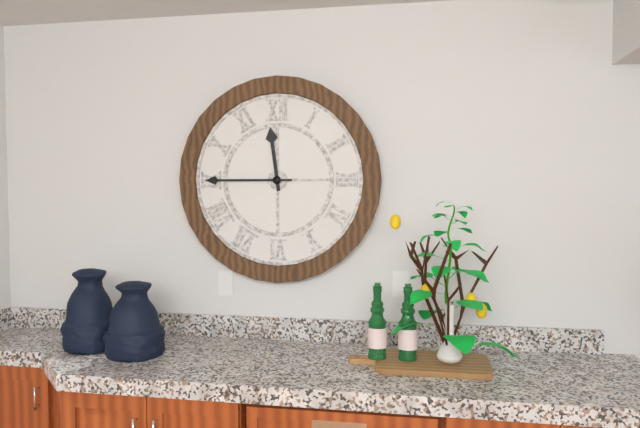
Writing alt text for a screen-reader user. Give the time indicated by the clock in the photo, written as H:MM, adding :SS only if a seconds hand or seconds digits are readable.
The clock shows 11:45
